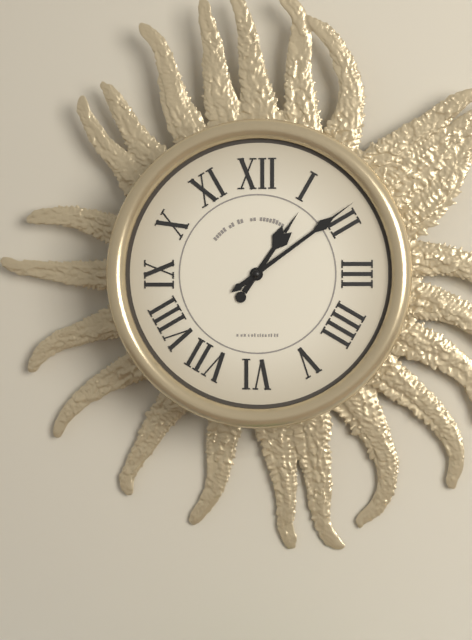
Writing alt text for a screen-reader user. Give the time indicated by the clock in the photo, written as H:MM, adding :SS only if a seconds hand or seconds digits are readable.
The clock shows 1:09
